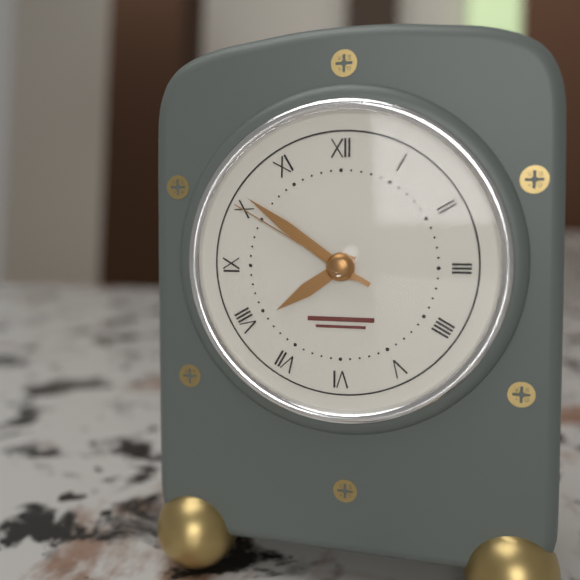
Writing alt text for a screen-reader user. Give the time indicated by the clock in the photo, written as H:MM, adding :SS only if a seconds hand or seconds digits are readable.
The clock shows 7:51:50
